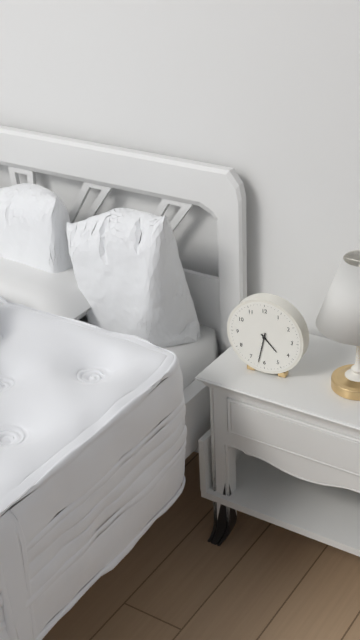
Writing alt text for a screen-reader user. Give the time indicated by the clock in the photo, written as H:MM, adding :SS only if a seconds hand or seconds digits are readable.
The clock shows 4:32
